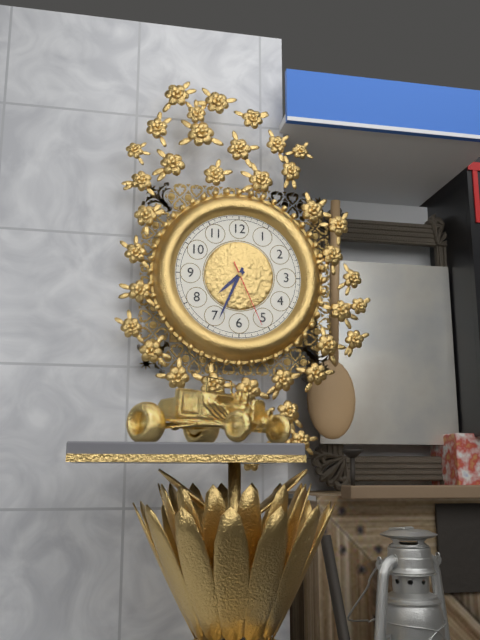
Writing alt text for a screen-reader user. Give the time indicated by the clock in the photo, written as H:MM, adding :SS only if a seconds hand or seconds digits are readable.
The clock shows 7:34:26
